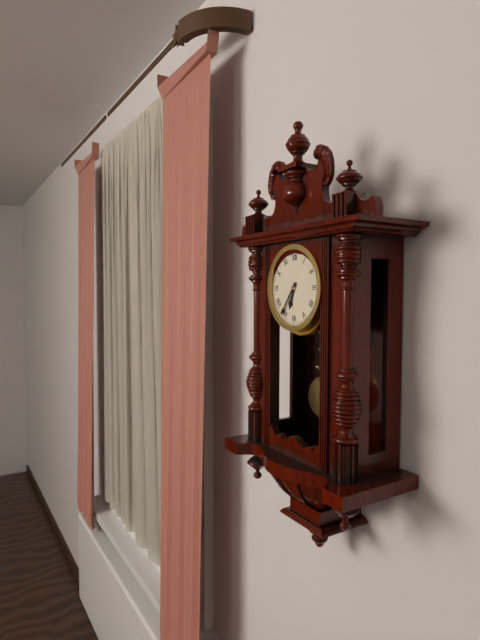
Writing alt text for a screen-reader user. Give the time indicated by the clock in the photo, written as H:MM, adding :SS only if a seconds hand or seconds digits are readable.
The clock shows 6:36
